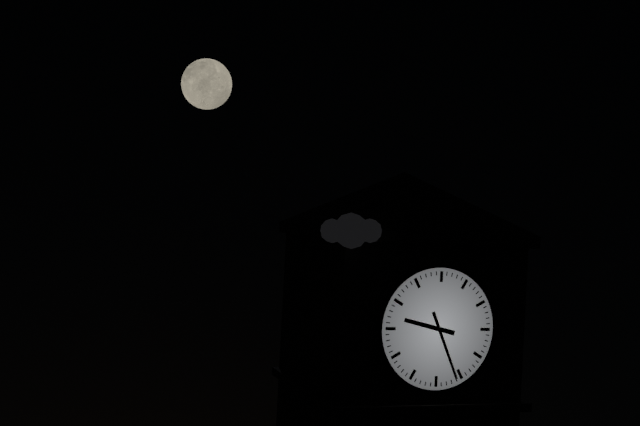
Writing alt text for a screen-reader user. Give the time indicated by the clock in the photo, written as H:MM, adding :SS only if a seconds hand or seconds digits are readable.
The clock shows 9:26
